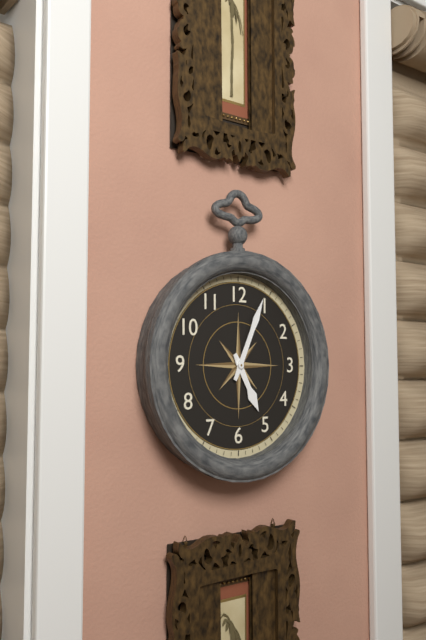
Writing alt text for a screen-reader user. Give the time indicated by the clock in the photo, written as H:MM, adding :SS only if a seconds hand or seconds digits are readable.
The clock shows 5:04
